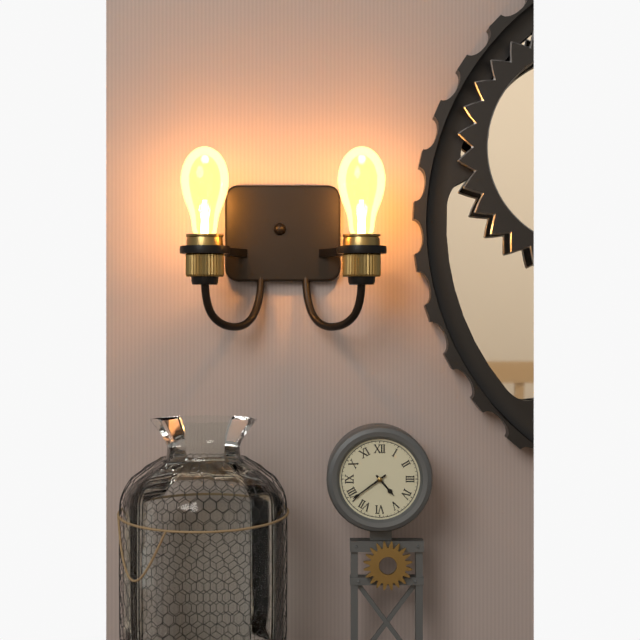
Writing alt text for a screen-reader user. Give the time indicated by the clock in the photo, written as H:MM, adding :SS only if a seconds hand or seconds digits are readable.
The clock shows 4:39
